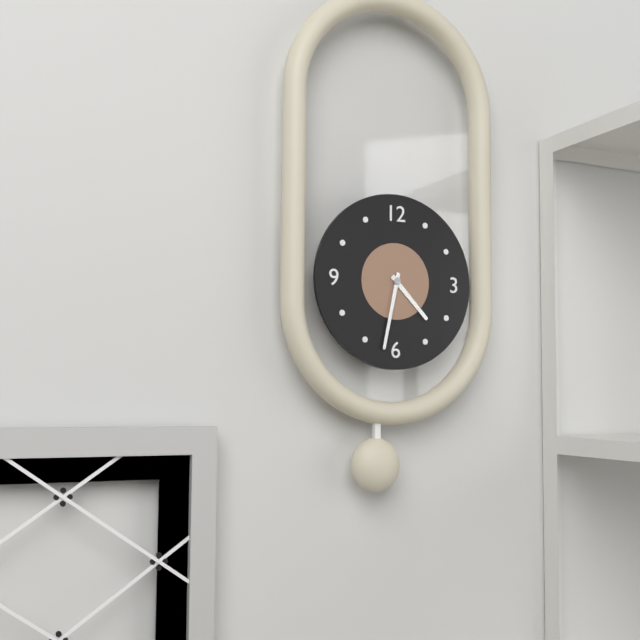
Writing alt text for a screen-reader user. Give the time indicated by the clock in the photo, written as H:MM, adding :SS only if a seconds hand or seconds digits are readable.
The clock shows 4:32
